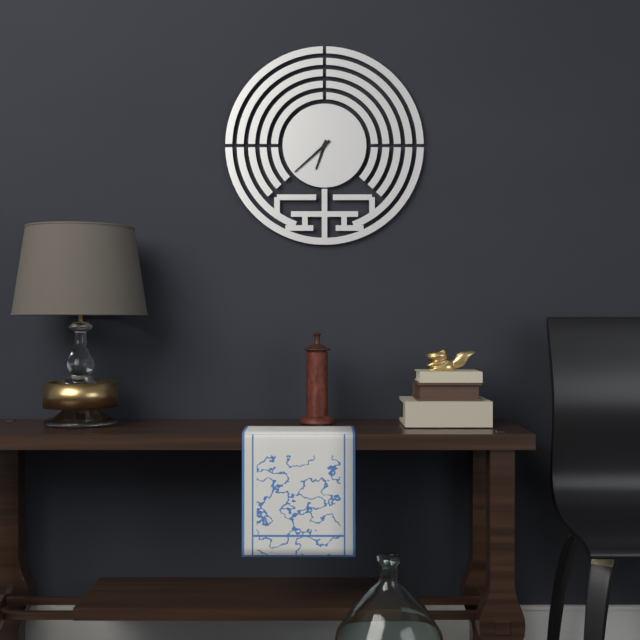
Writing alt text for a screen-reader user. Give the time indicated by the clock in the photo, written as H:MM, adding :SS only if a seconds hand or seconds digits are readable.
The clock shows 6:38
